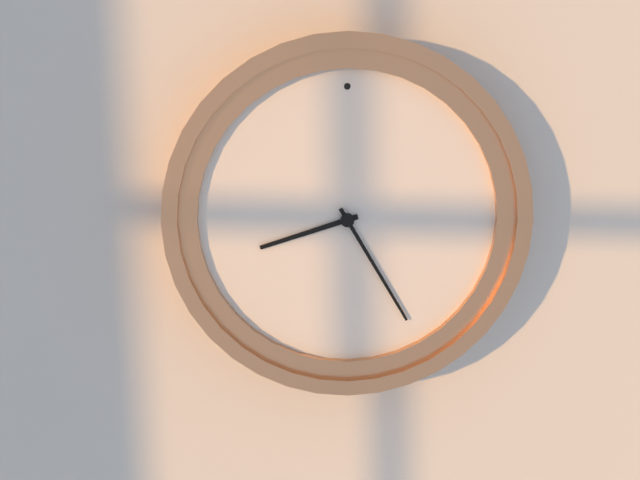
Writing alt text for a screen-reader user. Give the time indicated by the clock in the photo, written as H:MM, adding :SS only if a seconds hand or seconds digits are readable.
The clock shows 8:25
